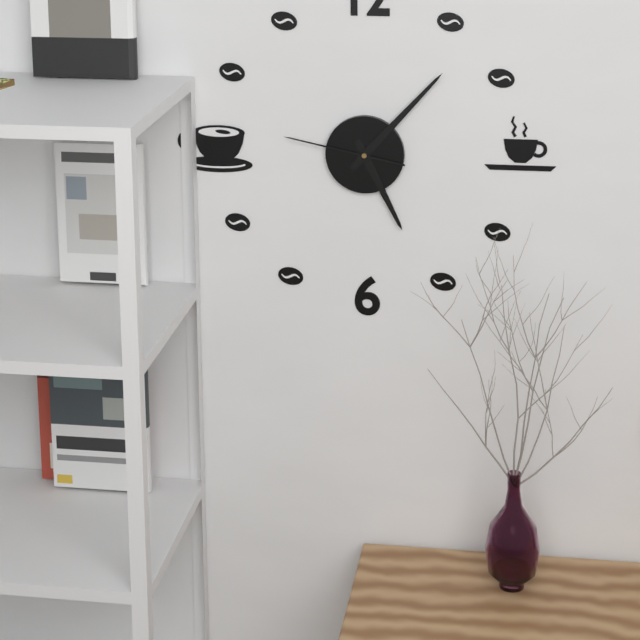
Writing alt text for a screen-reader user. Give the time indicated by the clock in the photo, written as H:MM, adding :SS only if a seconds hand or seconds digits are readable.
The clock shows 5:07:47
